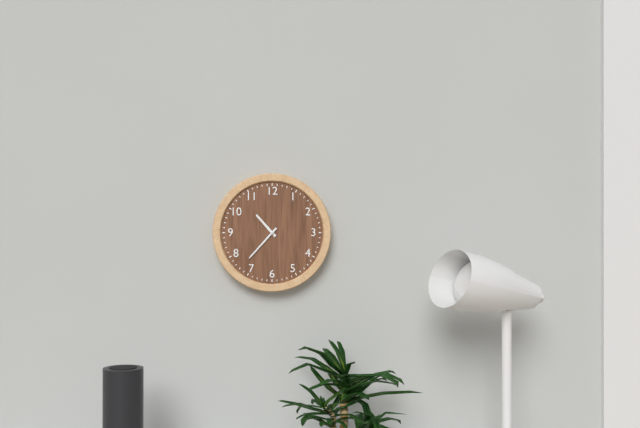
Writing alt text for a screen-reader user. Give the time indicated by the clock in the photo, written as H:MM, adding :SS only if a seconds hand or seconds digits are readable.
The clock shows 10:37
